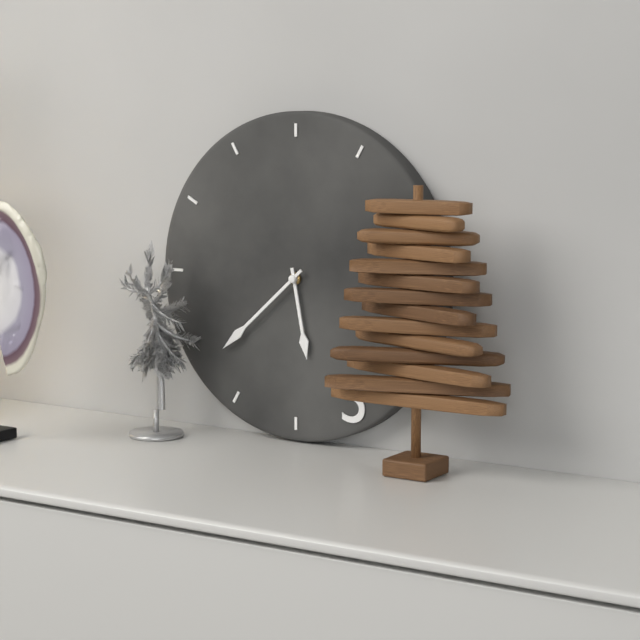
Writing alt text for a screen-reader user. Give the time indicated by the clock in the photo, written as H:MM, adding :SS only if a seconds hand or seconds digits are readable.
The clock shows 5:38
